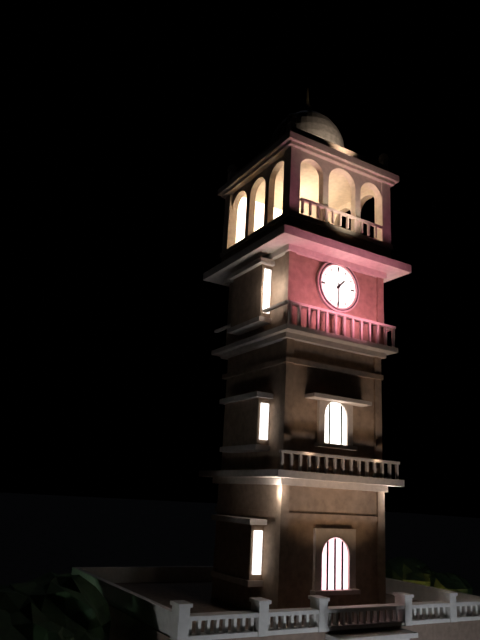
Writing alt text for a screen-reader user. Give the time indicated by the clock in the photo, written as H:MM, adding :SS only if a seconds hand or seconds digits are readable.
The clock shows 1:30
